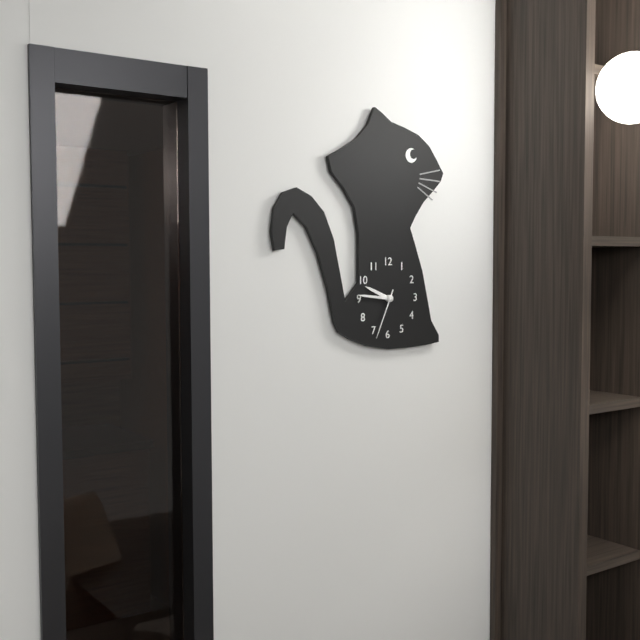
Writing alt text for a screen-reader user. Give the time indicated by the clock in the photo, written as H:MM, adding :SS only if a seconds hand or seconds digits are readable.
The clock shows 9:46:34
